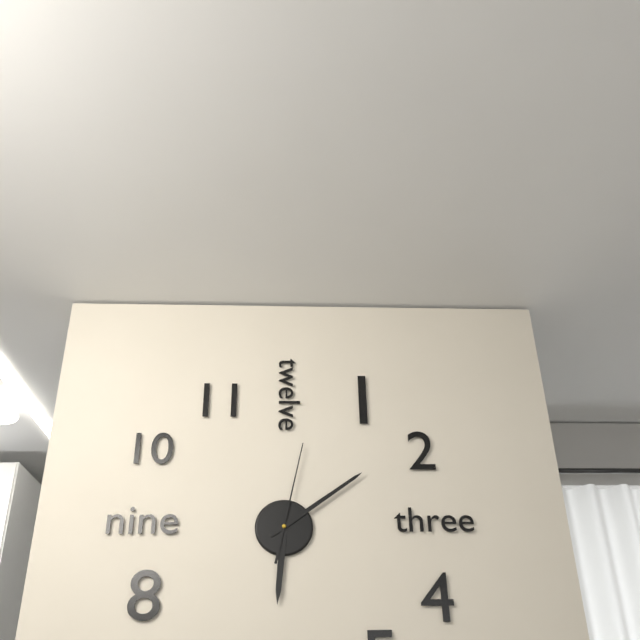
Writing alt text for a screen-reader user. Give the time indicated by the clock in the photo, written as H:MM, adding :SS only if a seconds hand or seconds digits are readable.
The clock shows 6:09:02
